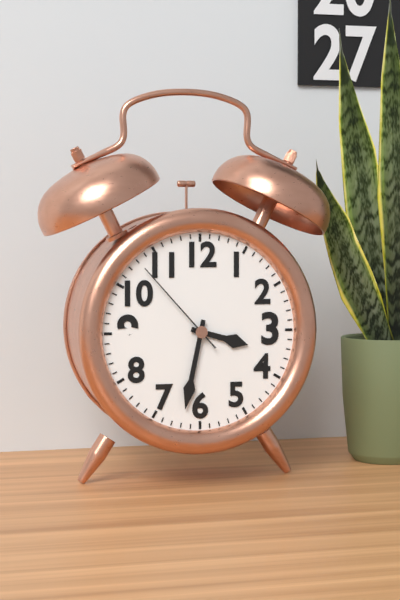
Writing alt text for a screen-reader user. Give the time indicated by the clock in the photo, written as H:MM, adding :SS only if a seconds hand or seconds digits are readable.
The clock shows 3:32:53
